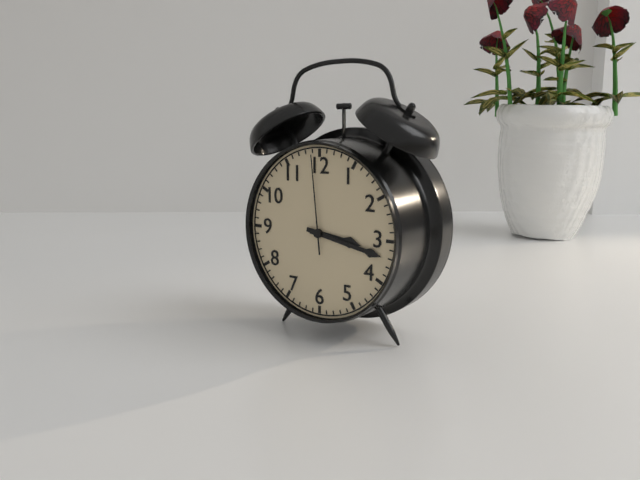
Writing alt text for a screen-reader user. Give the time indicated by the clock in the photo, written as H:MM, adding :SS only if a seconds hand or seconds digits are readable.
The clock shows 3:17:59
